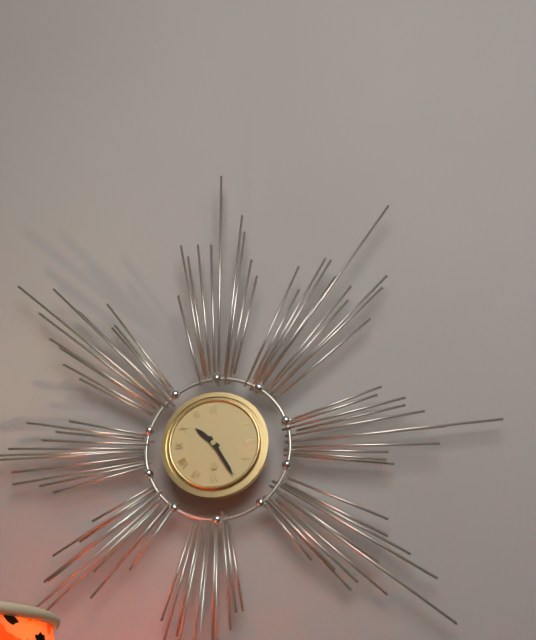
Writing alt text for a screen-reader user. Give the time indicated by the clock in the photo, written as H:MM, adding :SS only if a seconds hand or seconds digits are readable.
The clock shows 10:25
